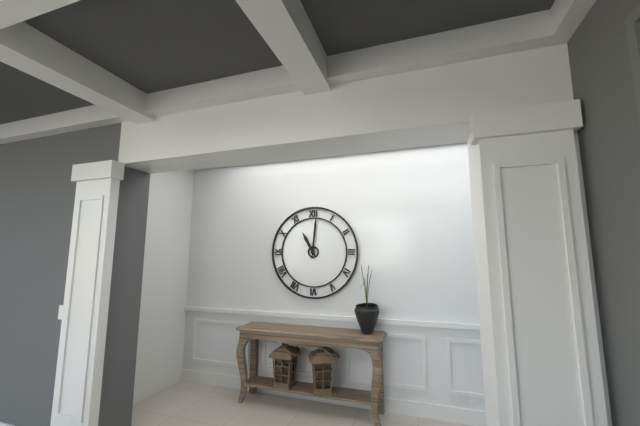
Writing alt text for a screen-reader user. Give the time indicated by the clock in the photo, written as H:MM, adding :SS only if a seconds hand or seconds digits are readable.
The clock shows 11:01
